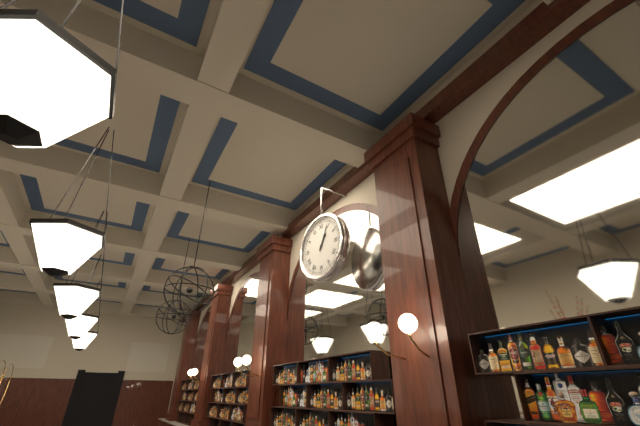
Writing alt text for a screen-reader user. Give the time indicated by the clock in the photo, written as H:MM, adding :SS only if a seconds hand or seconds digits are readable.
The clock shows 1:04
